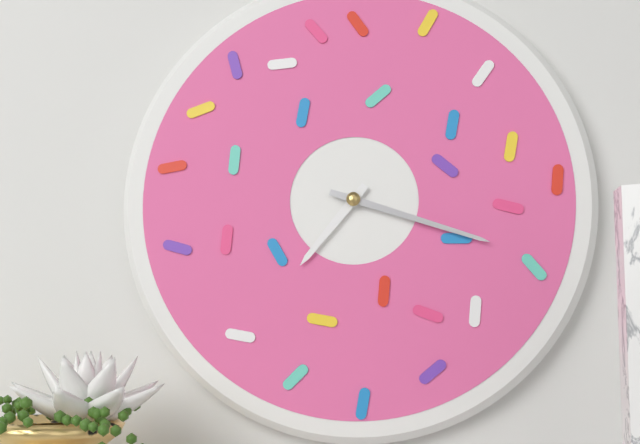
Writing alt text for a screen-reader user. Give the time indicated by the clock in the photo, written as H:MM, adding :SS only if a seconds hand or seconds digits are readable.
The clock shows 7:18
